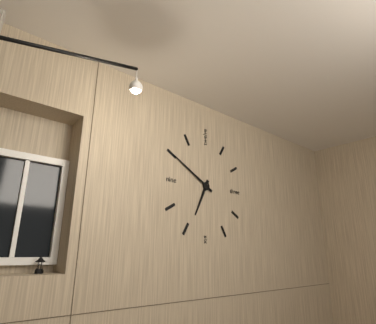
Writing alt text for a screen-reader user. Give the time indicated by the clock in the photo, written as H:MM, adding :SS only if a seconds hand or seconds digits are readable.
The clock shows 6:50
